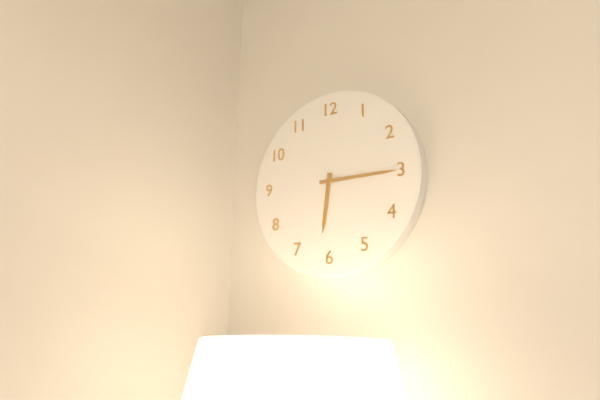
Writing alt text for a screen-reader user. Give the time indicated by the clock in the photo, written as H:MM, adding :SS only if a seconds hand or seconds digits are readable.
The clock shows 6:15
